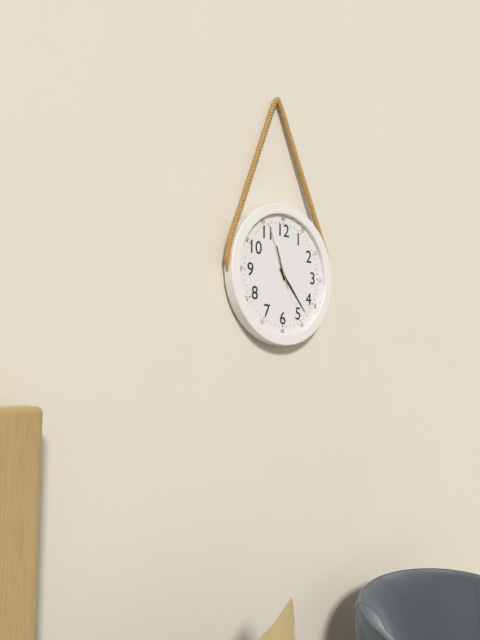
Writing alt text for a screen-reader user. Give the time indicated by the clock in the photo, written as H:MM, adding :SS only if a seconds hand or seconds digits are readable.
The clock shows 11:23:56
